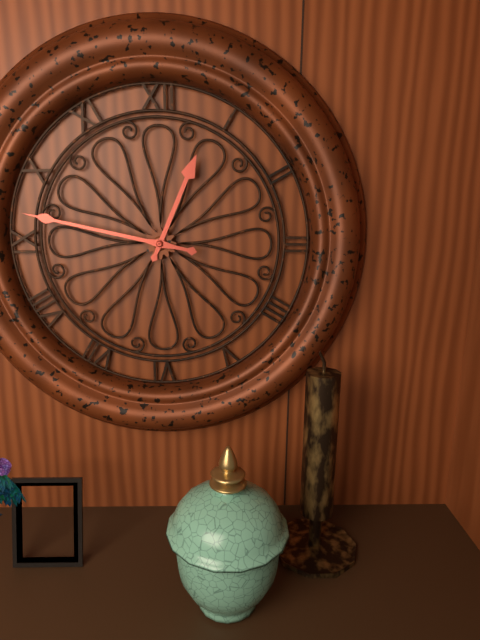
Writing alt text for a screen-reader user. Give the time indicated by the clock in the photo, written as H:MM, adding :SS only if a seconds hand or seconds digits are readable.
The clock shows 12:47
